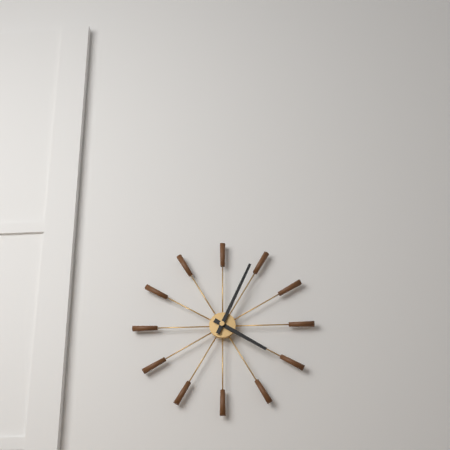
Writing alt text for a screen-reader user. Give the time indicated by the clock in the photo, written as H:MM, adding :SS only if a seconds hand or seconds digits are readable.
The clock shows 4:04
